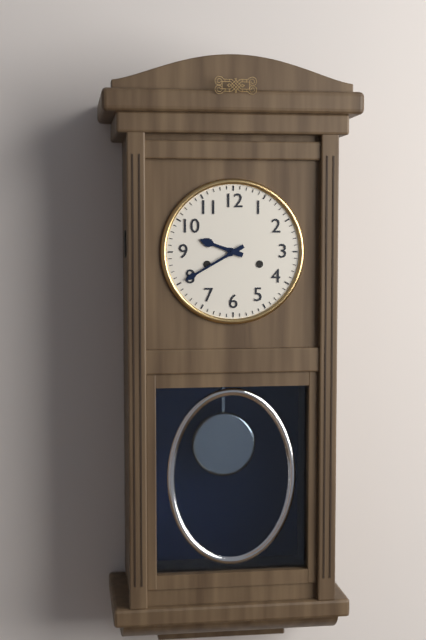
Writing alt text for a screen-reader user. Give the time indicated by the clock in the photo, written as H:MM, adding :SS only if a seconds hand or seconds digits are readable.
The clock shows 9:40
